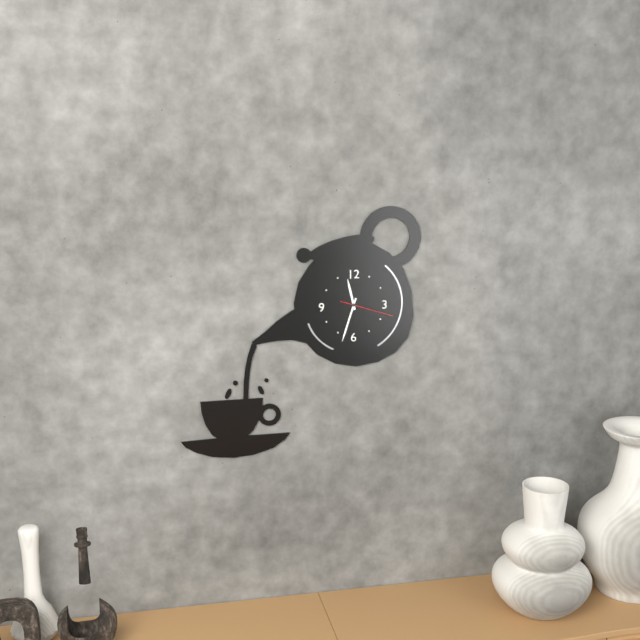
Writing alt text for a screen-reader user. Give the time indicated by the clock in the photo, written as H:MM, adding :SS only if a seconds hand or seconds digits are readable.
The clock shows 11:33:18
